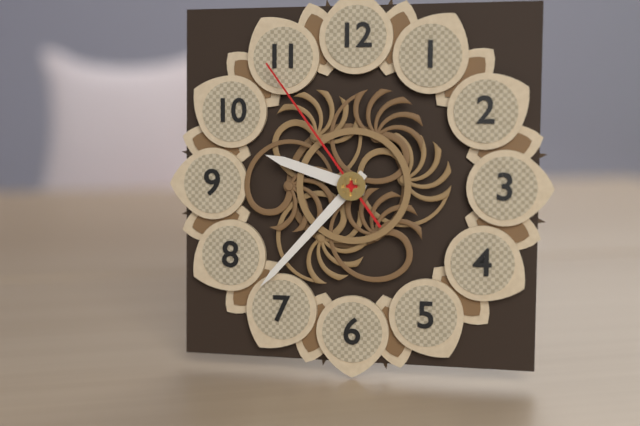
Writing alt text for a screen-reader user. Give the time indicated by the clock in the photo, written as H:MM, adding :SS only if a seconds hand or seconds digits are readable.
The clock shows 9:37:54
